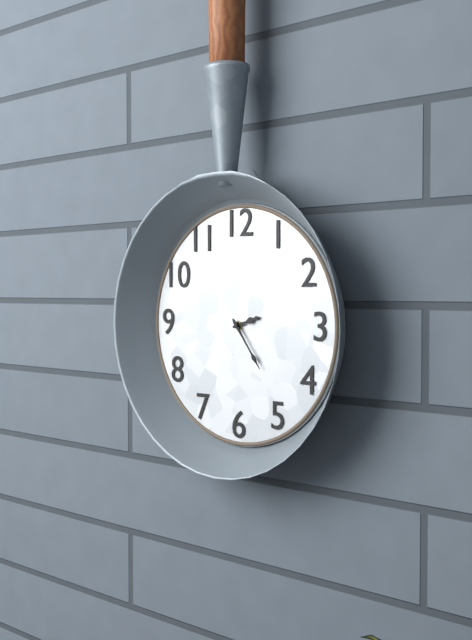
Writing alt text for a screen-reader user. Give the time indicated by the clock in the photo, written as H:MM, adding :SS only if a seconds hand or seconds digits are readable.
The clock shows 2:24
